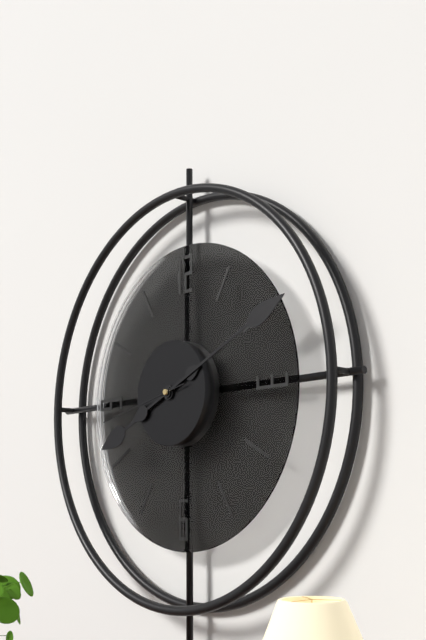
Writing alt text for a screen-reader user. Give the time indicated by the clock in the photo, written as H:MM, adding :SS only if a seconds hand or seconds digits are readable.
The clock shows 8:11:43
